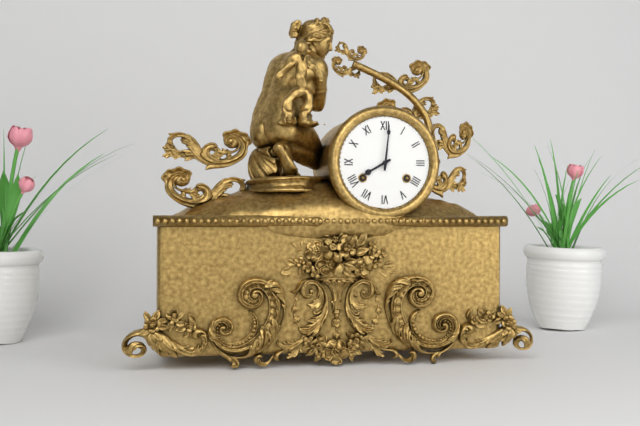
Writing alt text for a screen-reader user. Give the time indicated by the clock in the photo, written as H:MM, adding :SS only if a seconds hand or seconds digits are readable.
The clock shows 8:01
